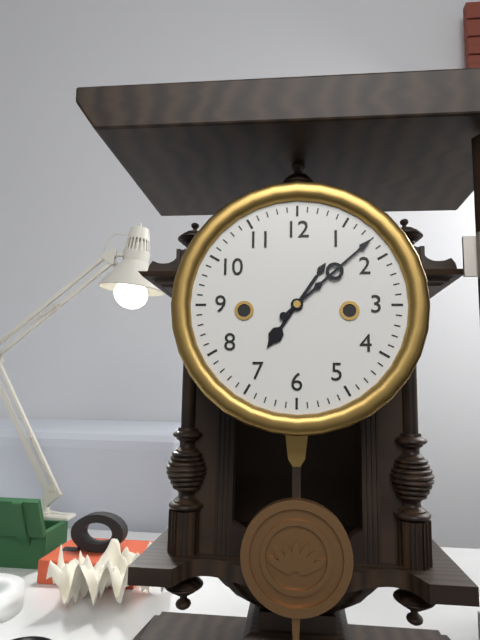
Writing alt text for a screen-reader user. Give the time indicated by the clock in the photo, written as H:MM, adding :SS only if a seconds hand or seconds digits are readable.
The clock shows 7:08
